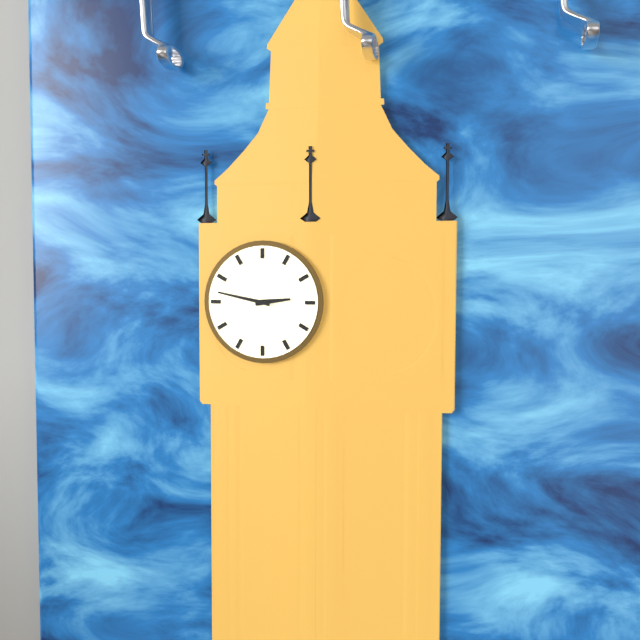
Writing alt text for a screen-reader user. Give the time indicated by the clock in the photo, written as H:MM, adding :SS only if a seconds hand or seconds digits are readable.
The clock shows 2:47
